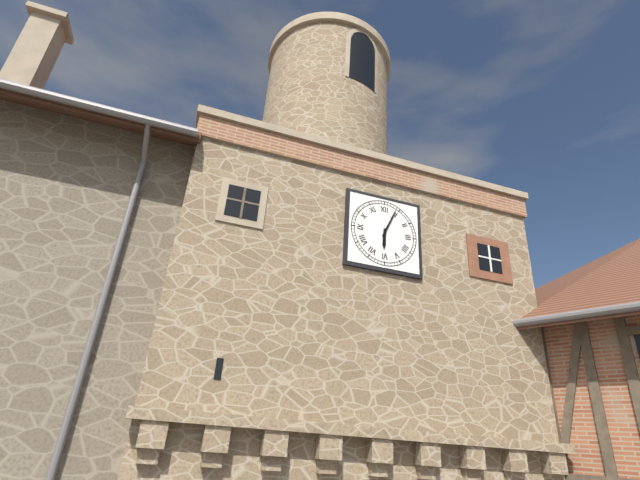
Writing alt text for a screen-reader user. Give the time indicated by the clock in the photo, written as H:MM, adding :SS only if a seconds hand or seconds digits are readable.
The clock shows 6:04
